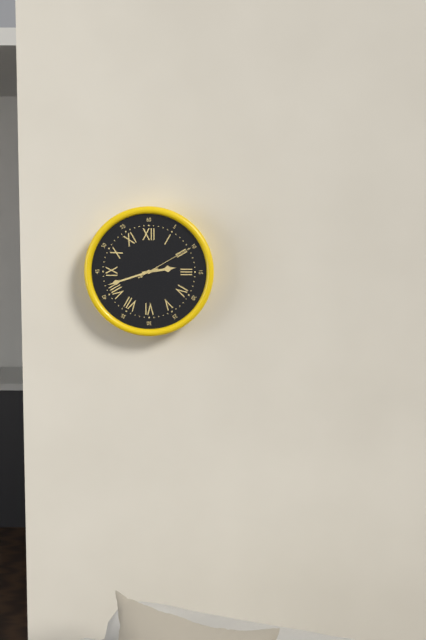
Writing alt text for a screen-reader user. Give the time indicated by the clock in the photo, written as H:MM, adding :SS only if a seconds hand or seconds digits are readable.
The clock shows 2:42:10
